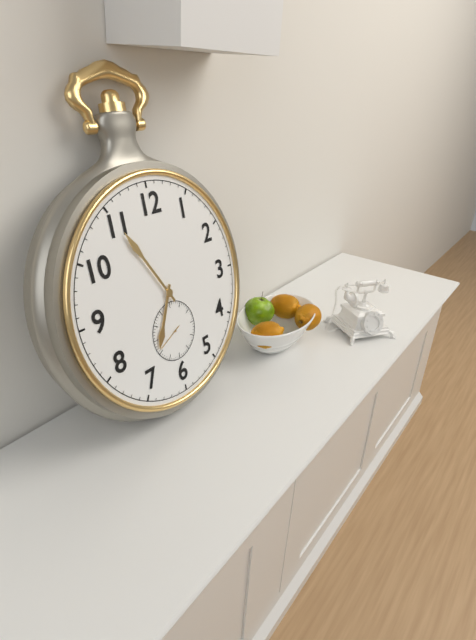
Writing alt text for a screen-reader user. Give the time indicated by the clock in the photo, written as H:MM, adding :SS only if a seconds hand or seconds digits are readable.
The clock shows 6:55
